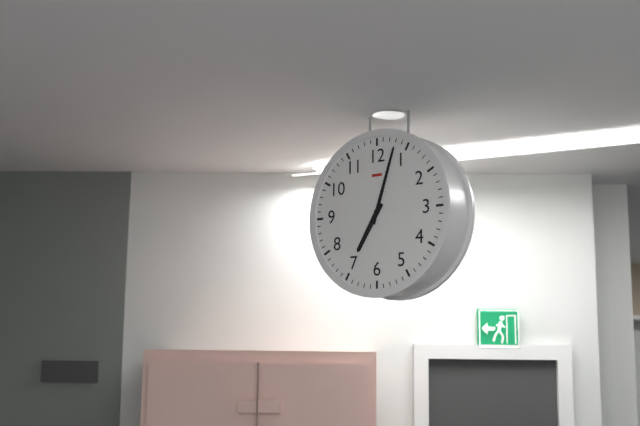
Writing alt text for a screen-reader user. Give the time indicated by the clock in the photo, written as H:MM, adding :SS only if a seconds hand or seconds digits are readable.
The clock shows 7:03
